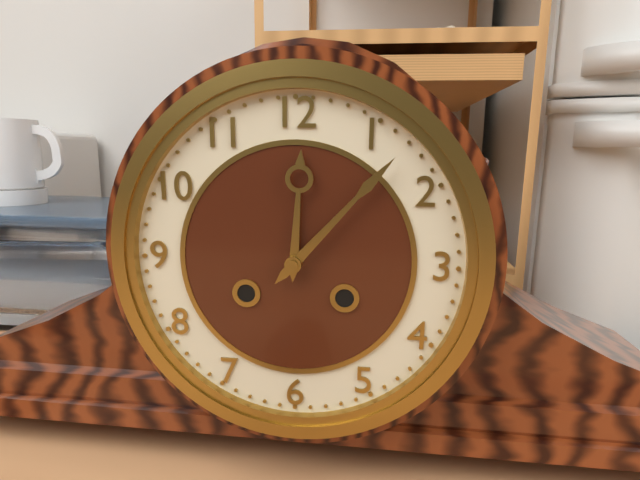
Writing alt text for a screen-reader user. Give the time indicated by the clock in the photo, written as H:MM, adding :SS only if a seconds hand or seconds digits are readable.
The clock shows 12:07
